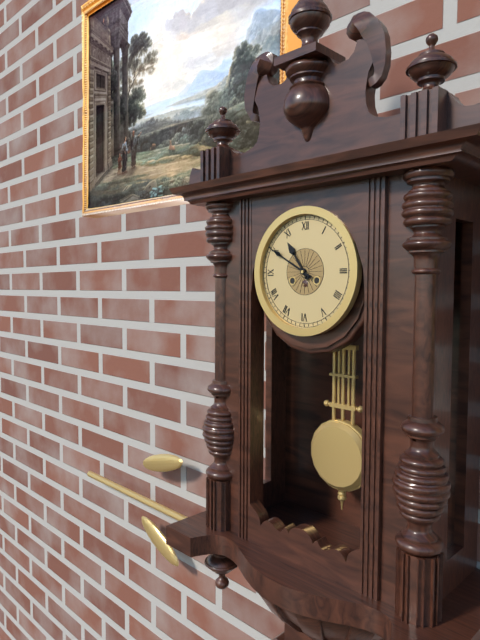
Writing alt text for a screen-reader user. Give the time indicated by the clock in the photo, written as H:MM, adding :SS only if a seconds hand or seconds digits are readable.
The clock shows 10:50
